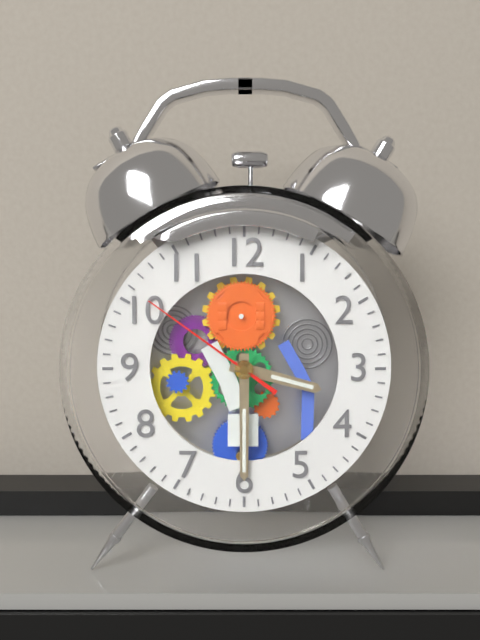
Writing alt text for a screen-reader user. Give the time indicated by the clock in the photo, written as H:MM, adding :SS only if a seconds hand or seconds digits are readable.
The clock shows 3:30:51
